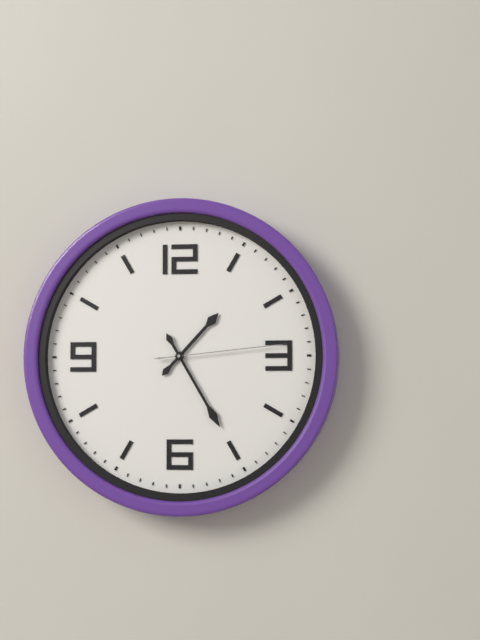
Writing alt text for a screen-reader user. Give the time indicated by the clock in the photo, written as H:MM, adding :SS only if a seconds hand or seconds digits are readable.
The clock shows 1:25:14
